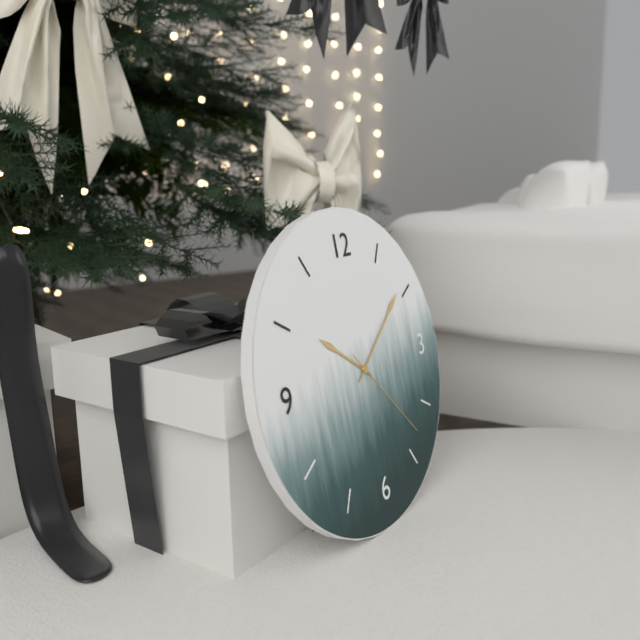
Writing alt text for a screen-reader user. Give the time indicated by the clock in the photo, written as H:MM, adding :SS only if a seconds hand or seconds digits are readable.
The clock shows 10:09:23
